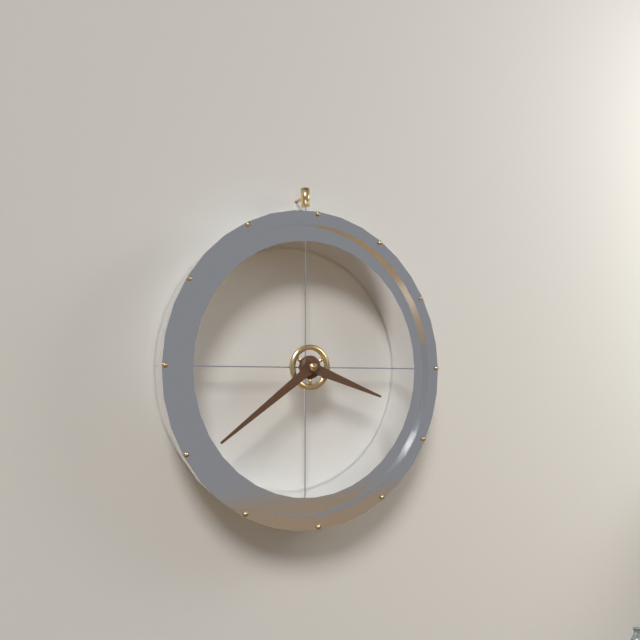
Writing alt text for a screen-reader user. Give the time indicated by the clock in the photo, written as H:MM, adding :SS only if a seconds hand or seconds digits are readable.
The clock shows 3:39
